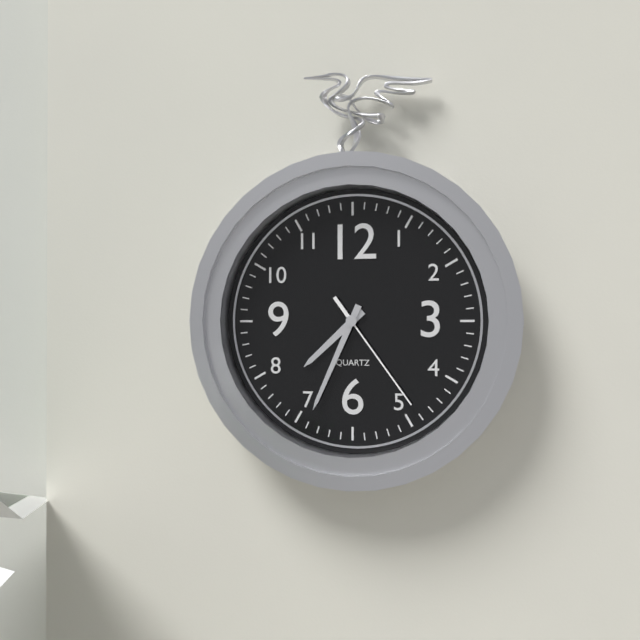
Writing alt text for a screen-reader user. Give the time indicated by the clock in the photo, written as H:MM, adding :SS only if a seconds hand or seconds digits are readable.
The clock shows 7:34:24
